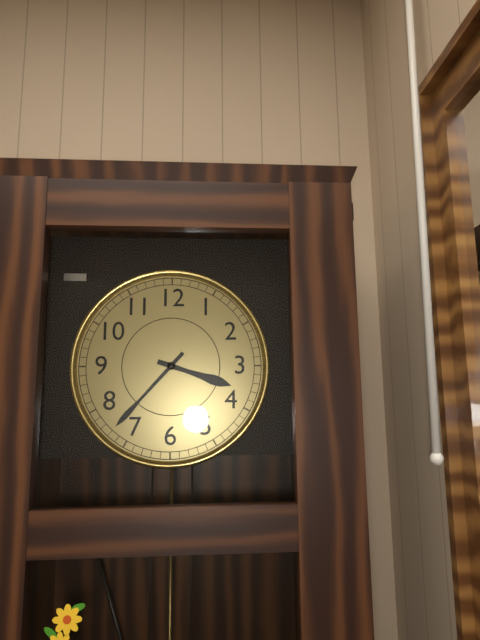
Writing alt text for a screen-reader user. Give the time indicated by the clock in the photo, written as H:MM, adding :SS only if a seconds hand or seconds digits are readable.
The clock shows 3:37
